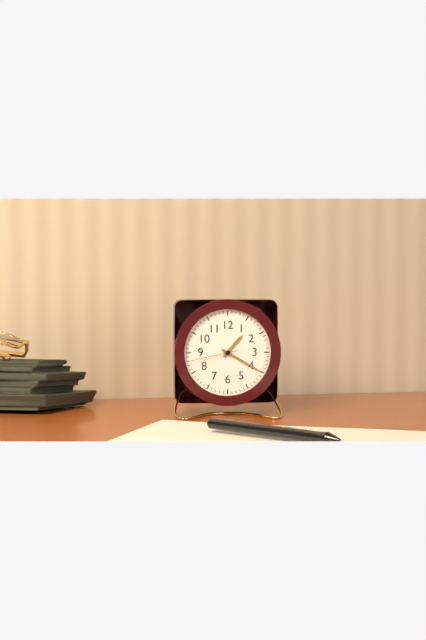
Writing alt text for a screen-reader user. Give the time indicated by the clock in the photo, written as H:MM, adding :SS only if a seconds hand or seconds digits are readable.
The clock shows 1:20
